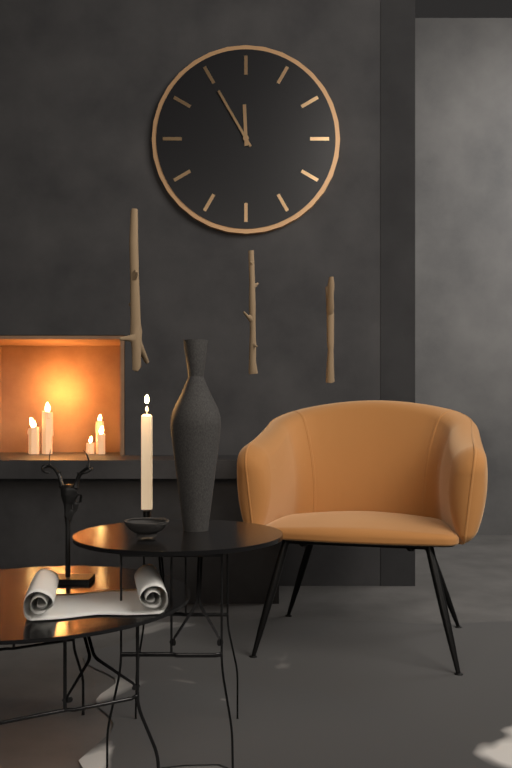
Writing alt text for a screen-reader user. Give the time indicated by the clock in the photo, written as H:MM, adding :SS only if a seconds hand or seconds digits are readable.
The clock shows 11:55
